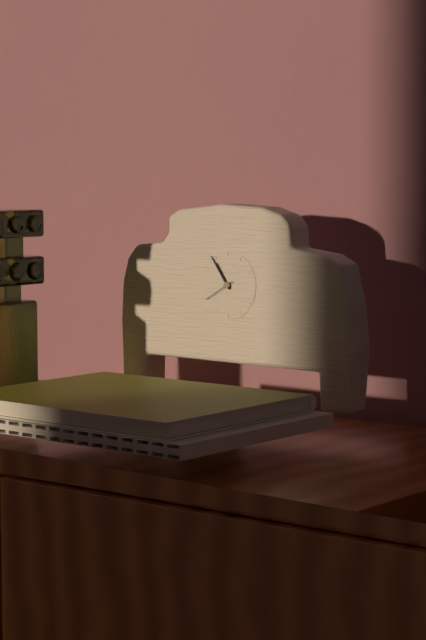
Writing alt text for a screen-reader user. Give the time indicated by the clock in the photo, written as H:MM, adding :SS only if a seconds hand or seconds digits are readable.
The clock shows 10:54
